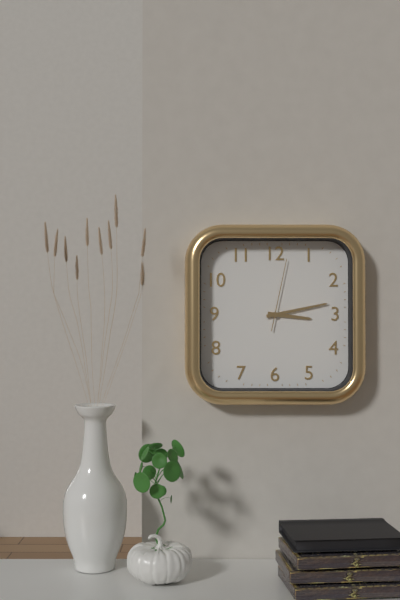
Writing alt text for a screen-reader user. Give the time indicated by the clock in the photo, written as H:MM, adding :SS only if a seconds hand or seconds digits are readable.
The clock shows 3:13:02
